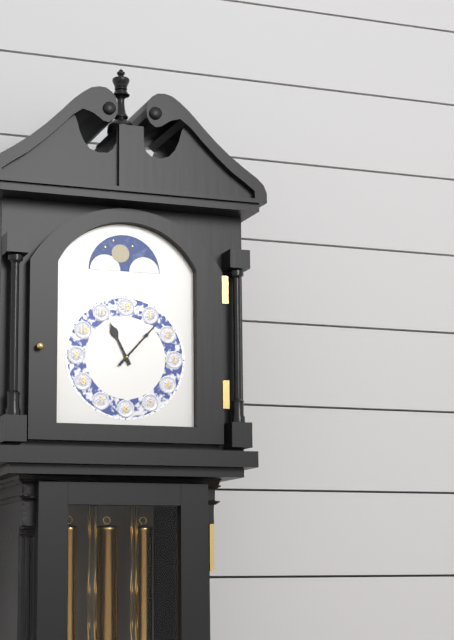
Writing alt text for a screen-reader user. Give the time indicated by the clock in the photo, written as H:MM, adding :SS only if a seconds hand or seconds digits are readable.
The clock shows 11:07
